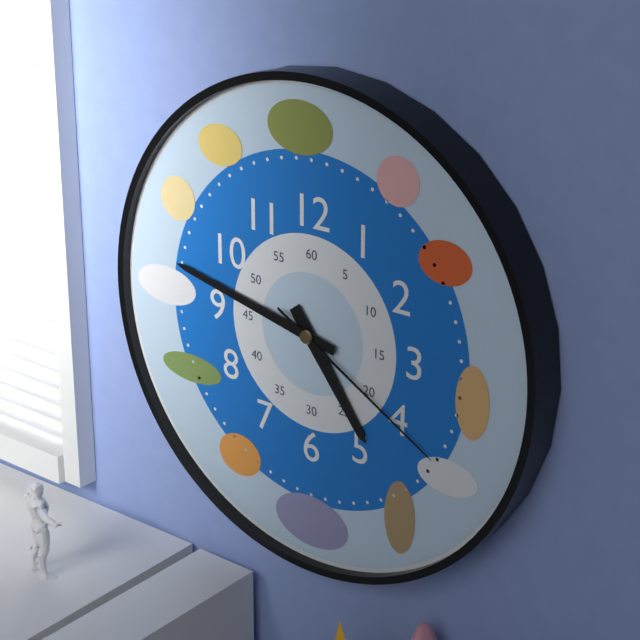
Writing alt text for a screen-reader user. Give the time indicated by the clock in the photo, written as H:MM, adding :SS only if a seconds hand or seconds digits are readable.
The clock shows 4:47:20
